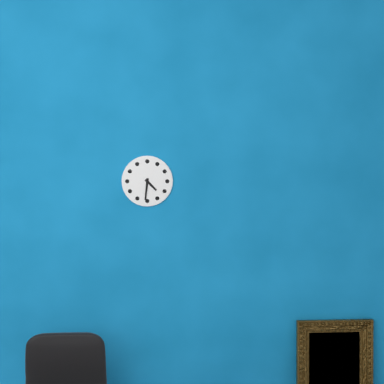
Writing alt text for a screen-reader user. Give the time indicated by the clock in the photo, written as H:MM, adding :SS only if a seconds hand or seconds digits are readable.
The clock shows 4:31
